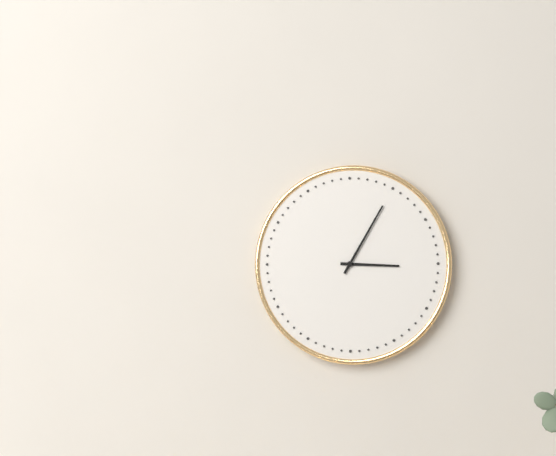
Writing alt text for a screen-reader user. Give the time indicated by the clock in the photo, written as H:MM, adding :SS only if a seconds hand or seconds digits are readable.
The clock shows 3:05
